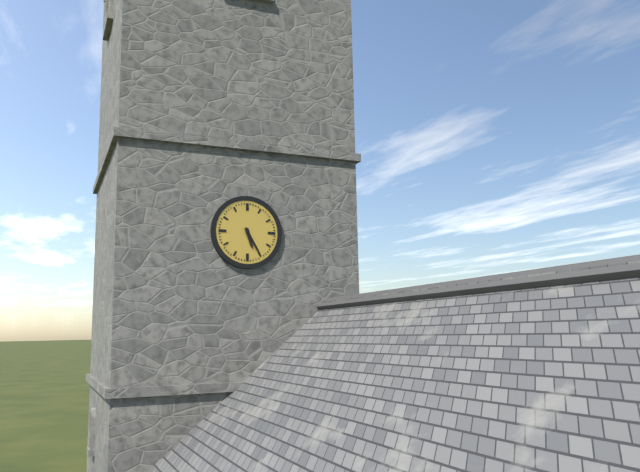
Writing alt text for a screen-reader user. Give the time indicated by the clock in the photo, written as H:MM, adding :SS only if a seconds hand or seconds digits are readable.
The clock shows 5:25
